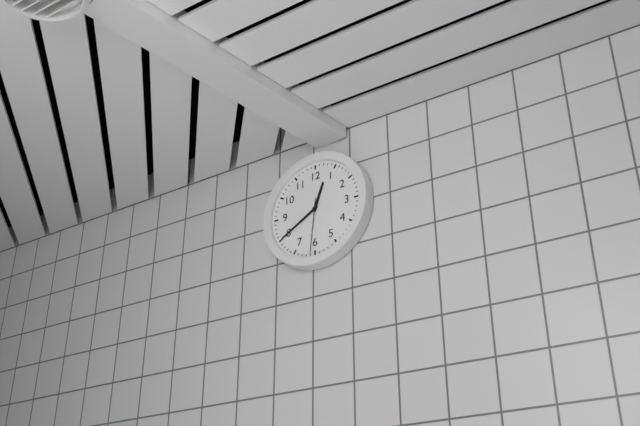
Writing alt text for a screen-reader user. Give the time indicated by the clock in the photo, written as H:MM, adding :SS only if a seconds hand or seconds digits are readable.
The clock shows 12:40:31
